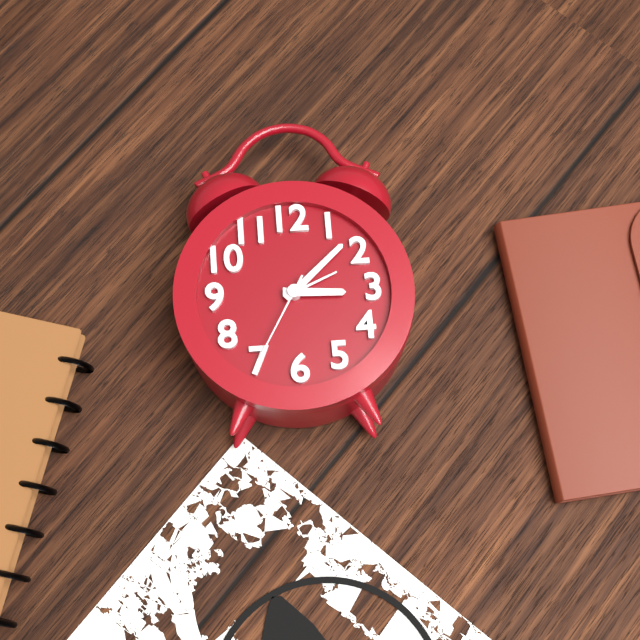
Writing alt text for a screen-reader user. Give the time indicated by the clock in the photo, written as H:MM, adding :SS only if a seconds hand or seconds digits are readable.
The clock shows 3:08:35
